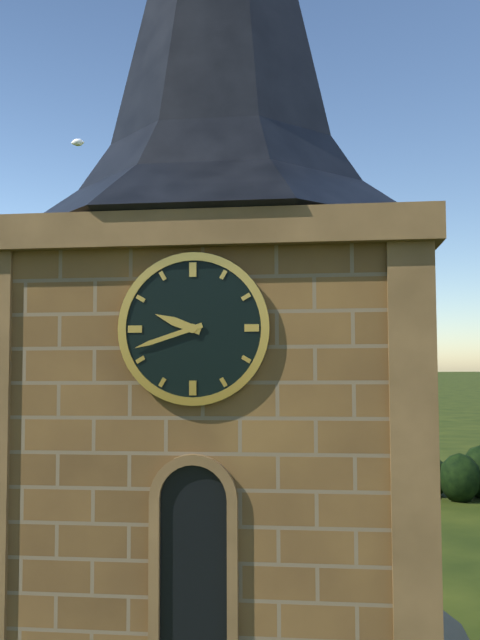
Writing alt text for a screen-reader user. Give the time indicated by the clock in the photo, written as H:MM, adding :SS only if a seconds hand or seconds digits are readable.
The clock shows 9:42
